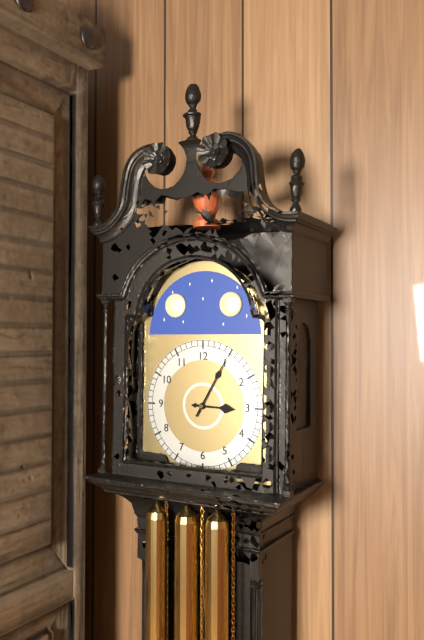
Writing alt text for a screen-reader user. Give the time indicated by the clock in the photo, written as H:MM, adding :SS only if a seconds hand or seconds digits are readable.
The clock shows 3:05
